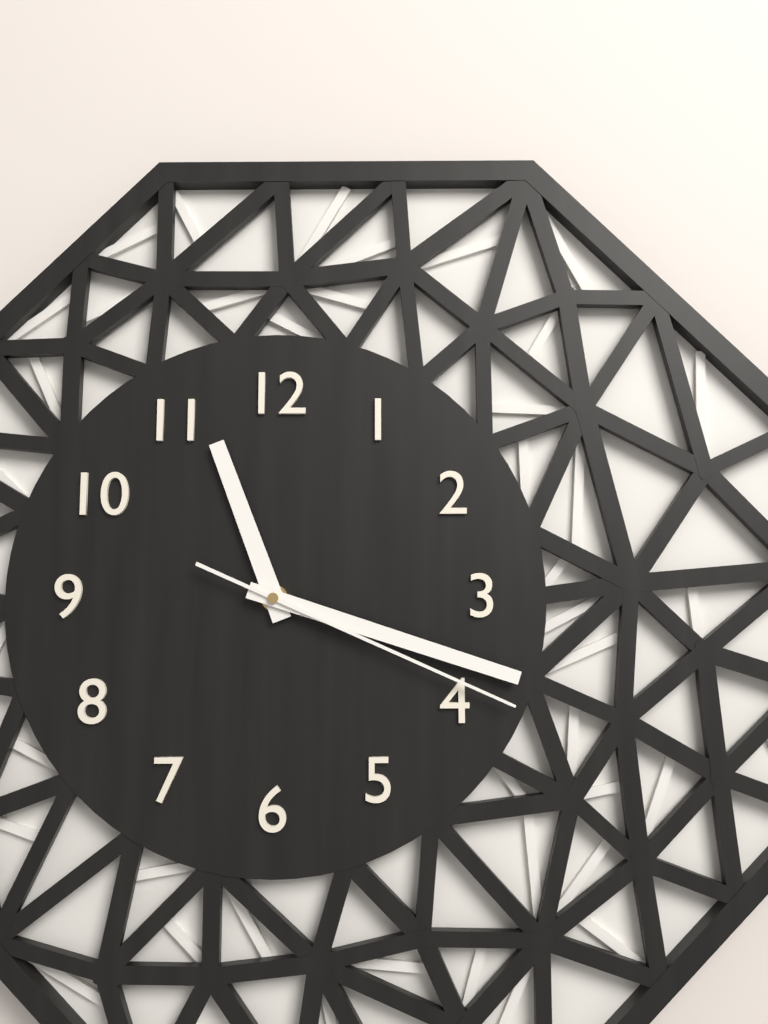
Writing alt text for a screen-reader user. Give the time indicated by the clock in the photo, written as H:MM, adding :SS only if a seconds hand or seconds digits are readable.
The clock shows 11:18:19
